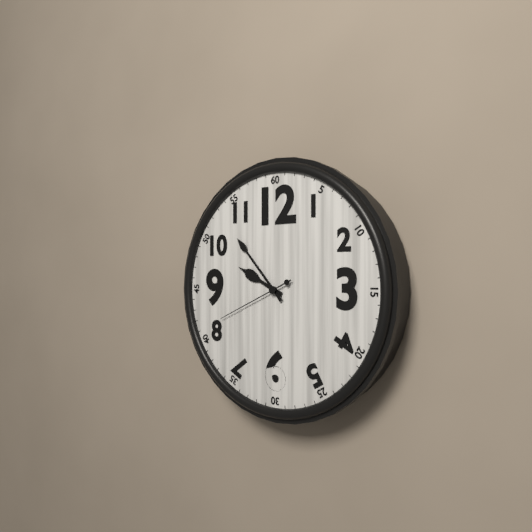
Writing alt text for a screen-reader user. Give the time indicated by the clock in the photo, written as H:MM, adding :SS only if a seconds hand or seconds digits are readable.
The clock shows 9:53:41
